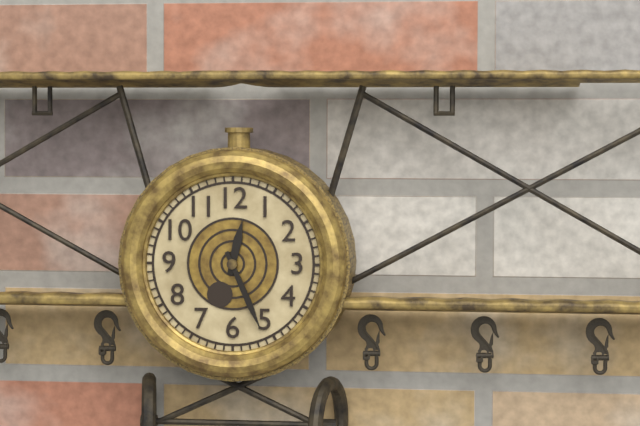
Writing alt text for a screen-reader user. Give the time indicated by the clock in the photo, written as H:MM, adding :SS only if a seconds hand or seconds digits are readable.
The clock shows 12:26
